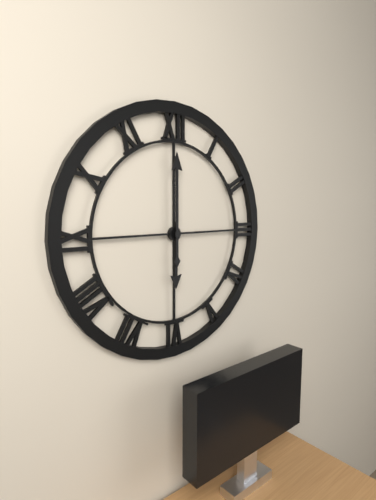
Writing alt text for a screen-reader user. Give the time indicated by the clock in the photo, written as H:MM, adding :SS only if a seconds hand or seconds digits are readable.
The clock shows 6:00
